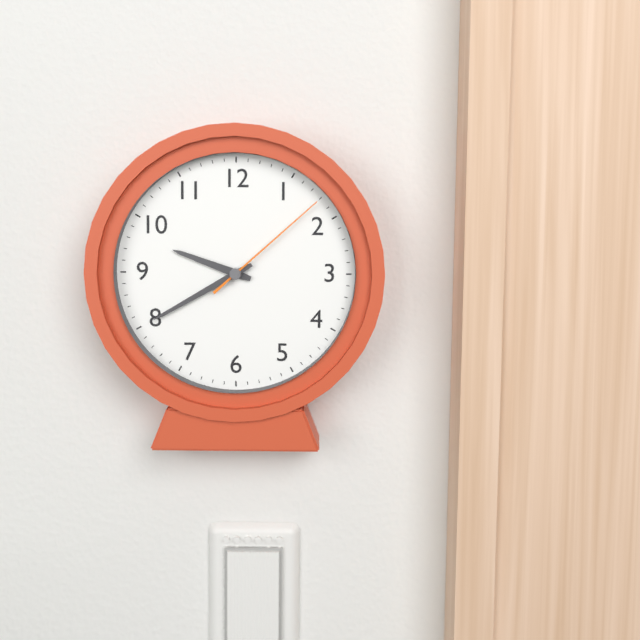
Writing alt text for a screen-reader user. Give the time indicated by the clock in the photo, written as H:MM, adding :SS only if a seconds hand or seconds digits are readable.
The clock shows 9:40:08
